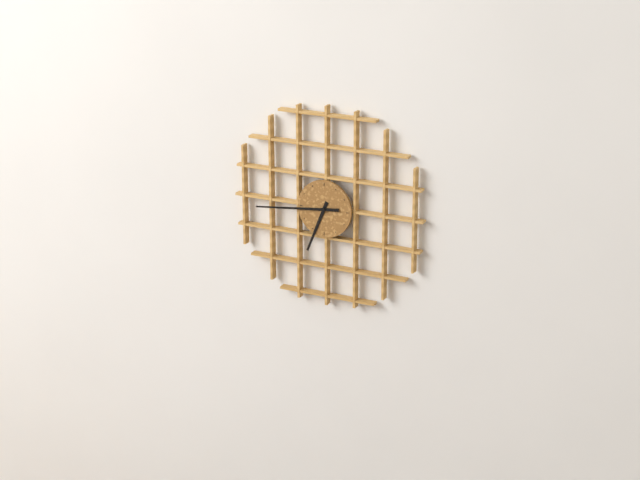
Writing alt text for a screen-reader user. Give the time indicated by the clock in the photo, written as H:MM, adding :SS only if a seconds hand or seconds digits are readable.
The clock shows 6:44
